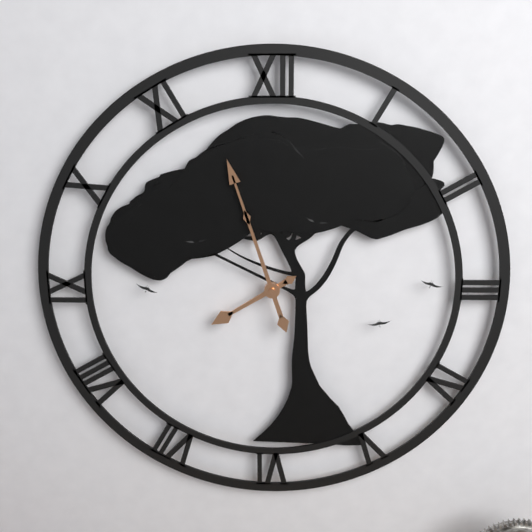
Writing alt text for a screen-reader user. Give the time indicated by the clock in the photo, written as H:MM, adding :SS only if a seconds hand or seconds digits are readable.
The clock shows 7:57
